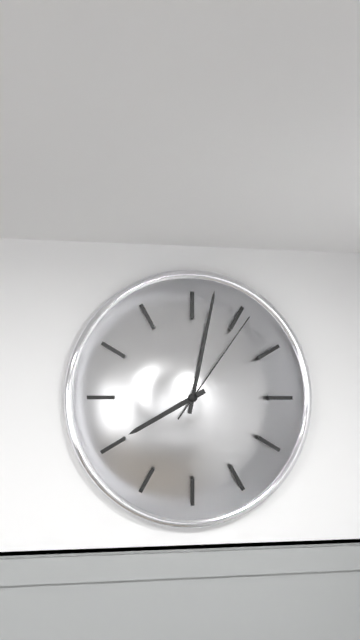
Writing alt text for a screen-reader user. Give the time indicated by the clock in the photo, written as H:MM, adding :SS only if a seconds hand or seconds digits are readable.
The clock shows 8:02:06
